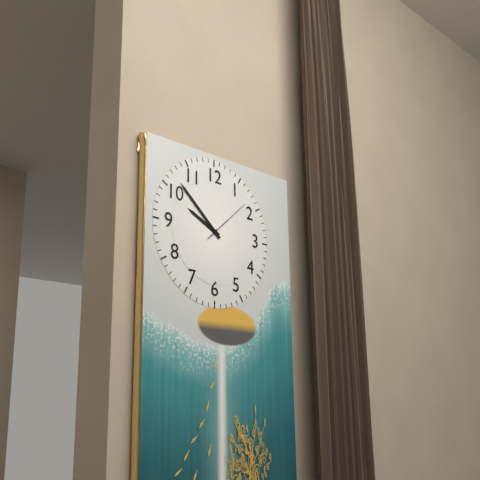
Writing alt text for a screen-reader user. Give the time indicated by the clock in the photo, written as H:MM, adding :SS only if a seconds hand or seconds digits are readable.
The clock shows 9:52:08
